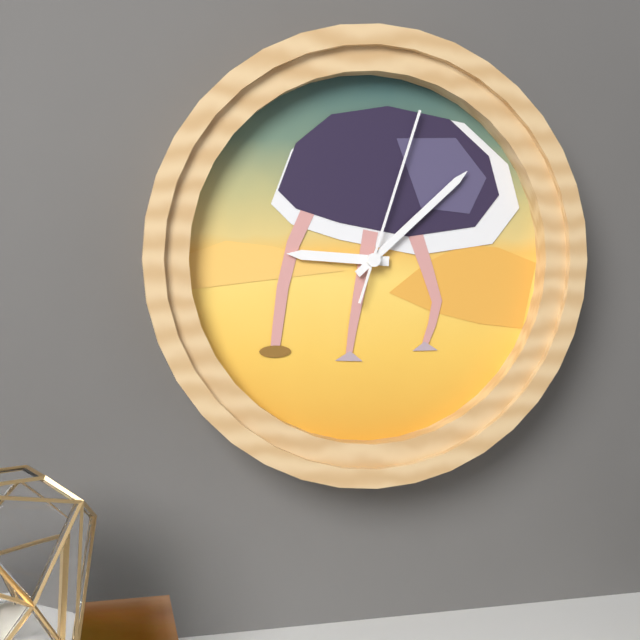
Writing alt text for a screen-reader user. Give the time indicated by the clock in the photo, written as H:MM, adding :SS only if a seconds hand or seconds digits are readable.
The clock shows 9:08:03
